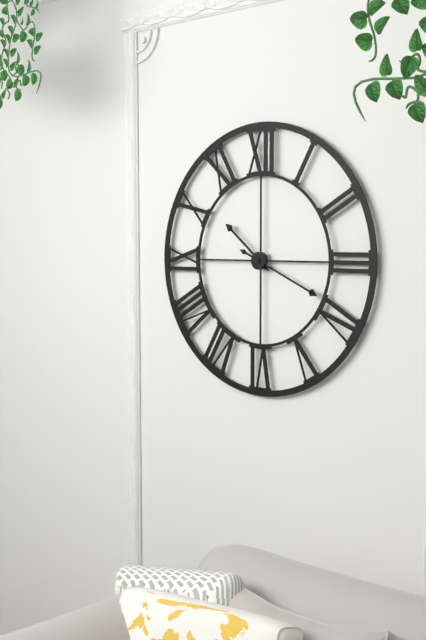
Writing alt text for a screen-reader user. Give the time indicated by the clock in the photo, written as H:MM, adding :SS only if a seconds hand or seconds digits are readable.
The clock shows 10:19
